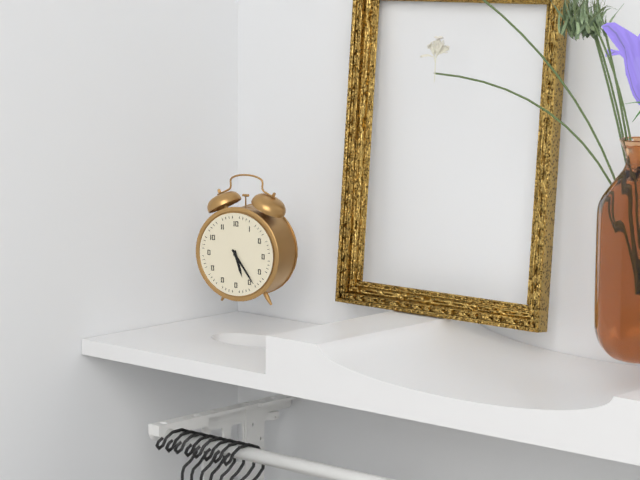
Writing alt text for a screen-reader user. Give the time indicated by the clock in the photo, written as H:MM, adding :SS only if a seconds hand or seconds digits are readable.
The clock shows 5:24
